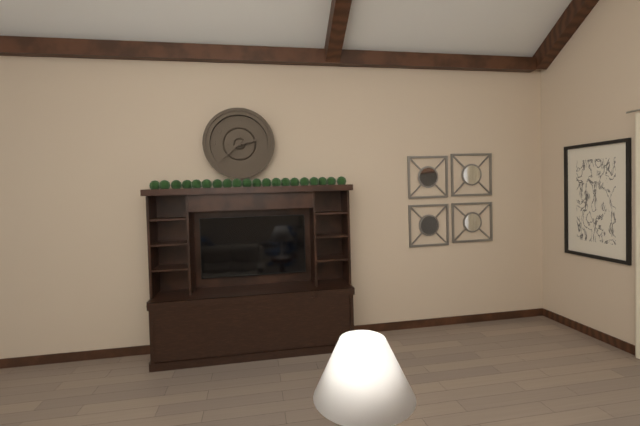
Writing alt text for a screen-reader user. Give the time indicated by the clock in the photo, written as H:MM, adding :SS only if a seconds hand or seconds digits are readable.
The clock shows 2:38
